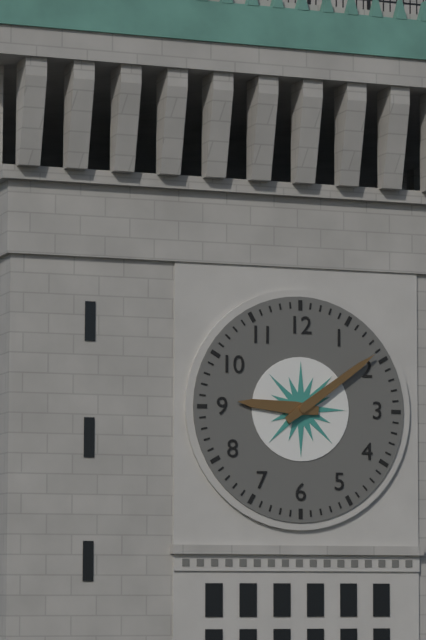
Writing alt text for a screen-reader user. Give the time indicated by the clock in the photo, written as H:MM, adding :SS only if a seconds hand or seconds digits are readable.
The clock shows 9:09
